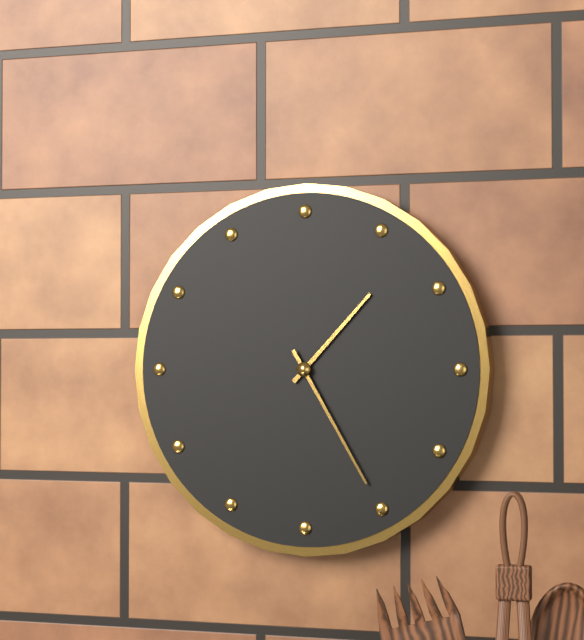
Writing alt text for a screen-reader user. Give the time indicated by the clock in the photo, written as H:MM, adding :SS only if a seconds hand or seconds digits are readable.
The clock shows 1:25
